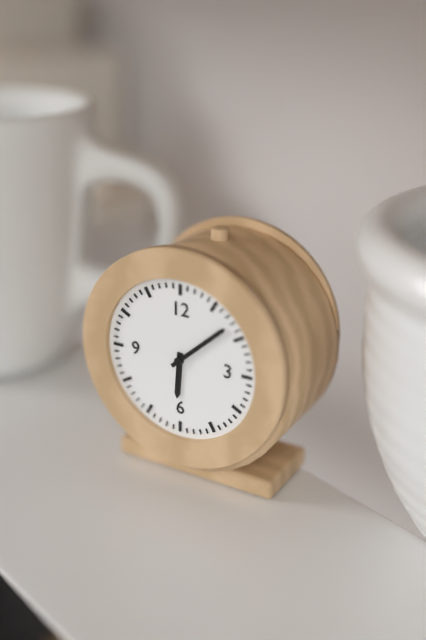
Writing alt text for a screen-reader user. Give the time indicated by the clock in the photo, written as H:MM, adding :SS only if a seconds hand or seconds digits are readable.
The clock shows 6:08
